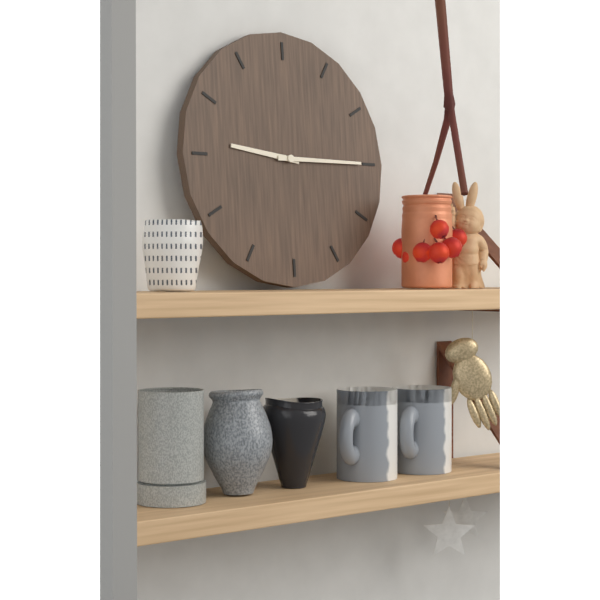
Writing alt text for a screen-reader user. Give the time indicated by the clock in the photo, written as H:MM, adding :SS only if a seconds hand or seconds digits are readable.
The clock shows 9:15
